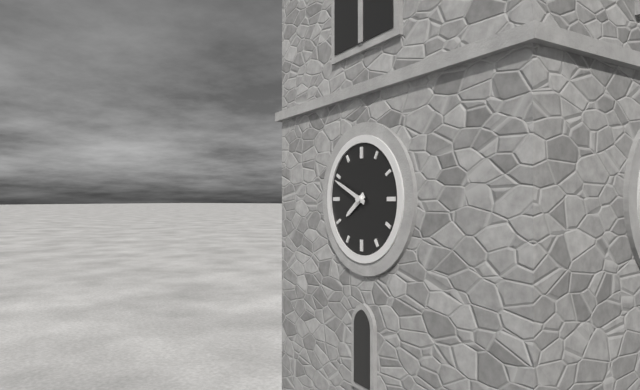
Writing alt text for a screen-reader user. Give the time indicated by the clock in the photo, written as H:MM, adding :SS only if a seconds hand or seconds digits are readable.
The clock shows 7:49
